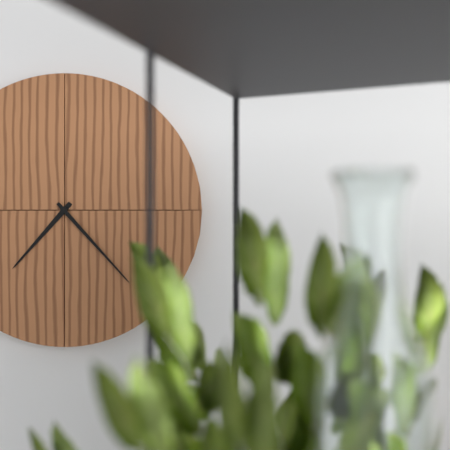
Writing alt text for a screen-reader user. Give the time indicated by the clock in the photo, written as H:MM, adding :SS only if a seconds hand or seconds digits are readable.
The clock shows 7:23
